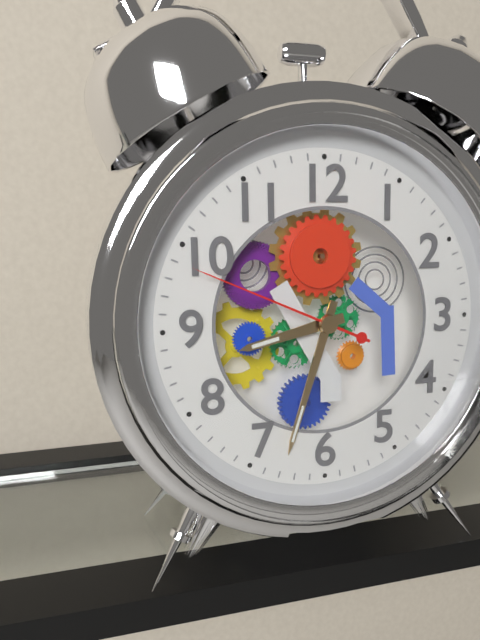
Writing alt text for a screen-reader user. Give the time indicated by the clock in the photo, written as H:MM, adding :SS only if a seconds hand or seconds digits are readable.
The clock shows 8:33:49
